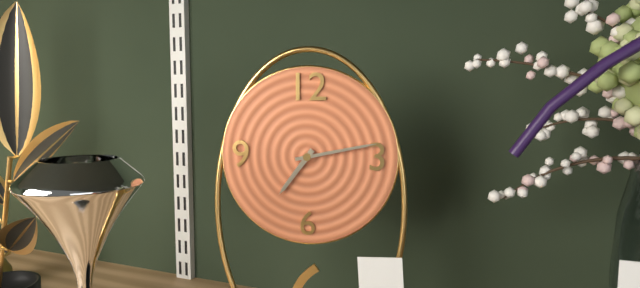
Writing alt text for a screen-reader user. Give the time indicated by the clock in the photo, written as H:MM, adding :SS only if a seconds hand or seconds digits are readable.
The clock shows 7:13
